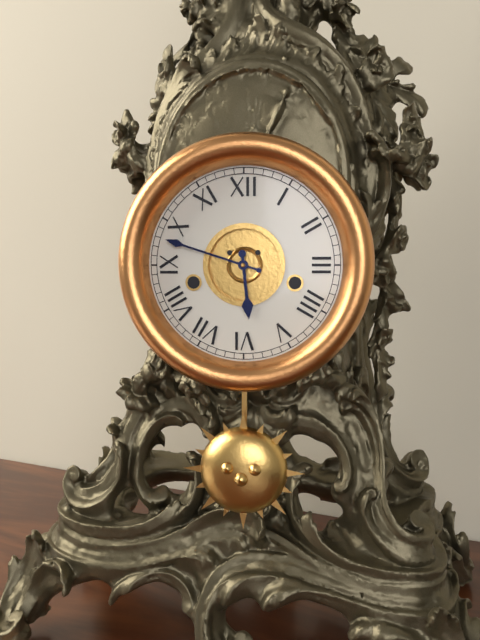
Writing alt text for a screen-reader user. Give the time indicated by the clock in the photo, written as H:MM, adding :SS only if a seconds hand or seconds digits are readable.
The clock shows 5:48
